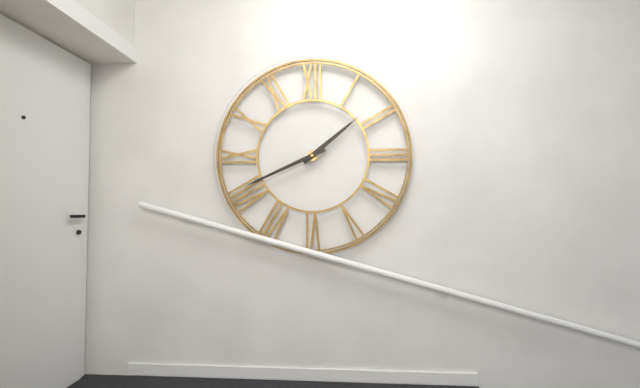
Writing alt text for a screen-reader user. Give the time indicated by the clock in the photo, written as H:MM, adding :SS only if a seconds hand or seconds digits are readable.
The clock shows 1:41
